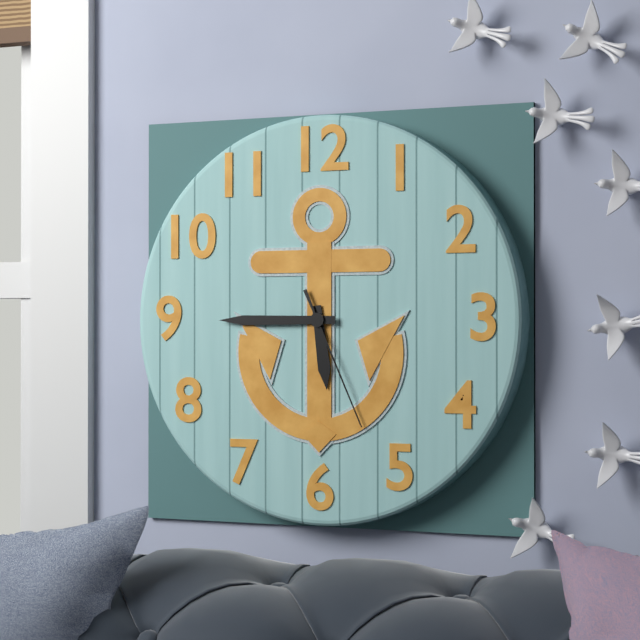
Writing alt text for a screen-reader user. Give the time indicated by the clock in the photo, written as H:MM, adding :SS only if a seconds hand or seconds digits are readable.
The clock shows 5:45:26
